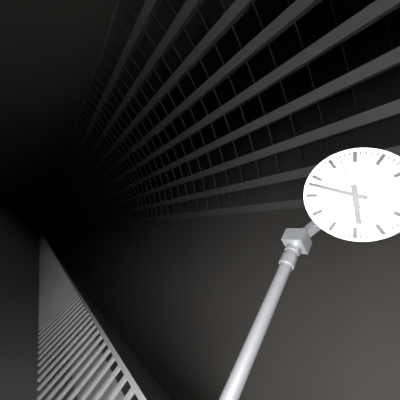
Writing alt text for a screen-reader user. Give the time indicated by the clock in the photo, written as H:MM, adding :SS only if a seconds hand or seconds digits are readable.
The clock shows 5:48
